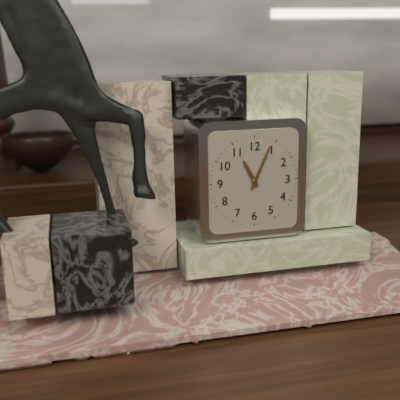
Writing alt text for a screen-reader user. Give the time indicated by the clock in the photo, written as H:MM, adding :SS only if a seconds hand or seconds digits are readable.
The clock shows 11:04
